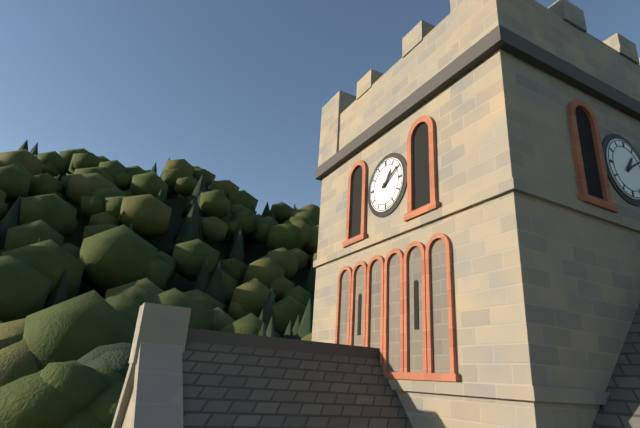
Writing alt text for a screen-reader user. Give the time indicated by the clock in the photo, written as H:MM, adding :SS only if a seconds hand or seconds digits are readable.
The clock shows 1:10
